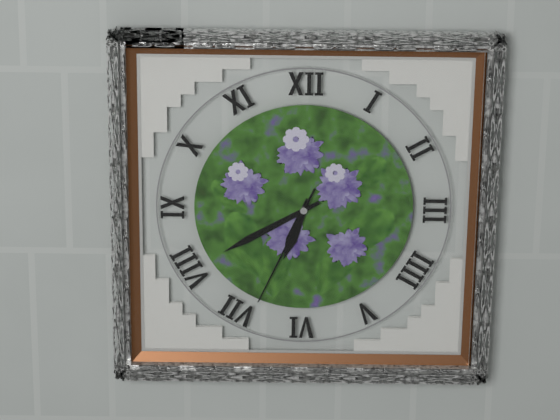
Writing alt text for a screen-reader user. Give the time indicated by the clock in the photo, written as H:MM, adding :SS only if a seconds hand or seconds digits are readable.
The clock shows 6:40:34
